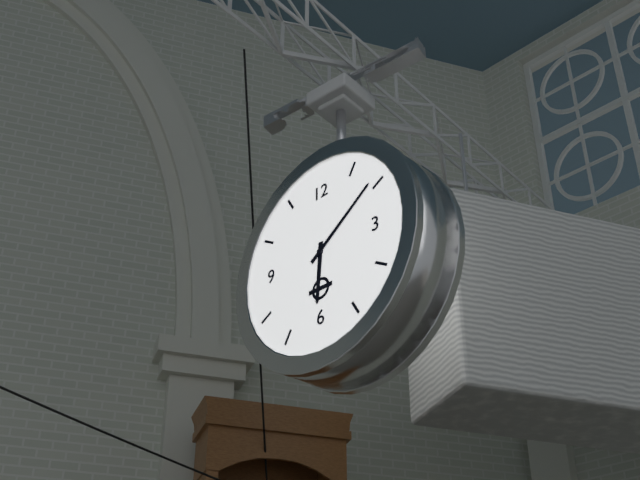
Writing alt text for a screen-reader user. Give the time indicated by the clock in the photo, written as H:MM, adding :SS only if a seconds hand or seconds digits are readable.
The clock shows 6:09
